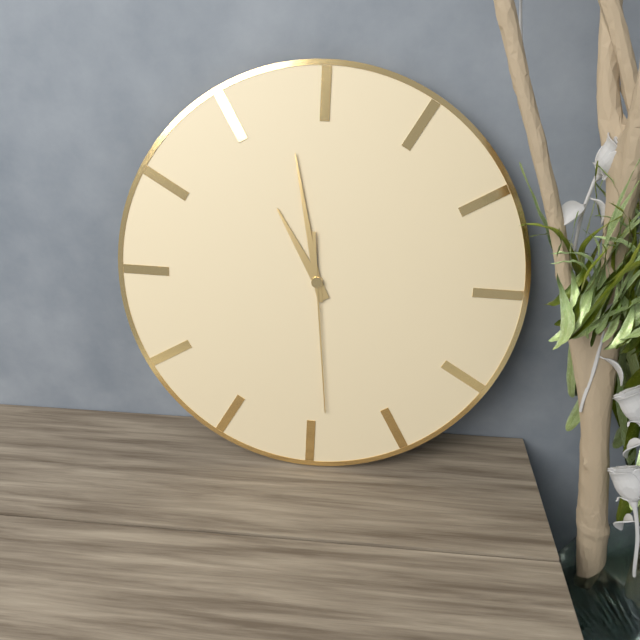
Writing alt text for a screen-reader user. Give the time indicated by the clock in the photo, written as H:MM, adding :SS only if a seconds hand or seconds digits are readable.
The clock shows 10:58:29
